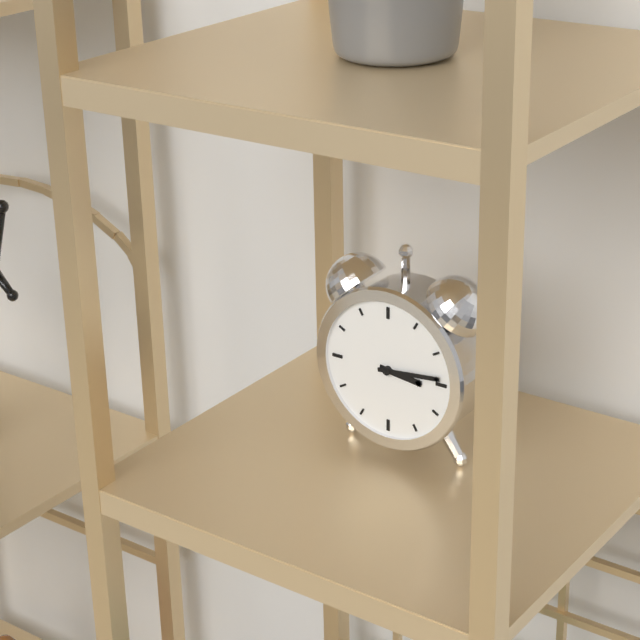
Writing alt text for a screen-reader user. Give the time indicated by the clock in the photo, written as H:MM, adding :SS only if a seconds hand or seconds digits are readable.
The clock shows 3:14
